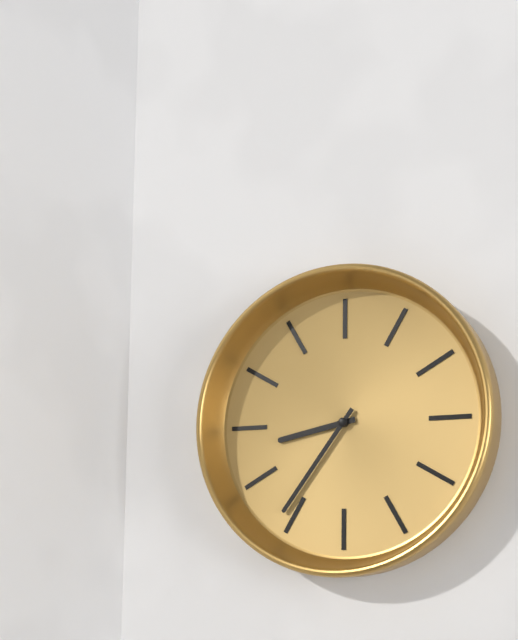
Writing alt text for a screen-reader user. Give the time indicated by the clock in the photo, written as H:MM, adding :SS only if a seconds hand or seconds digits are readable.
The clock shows 8:36
